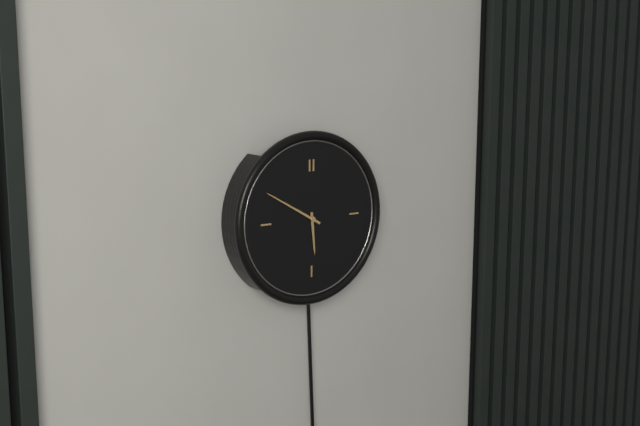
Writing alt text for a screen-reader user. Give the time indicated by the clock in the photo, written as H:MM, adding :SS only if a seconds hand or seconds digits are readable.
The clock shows 5:50
